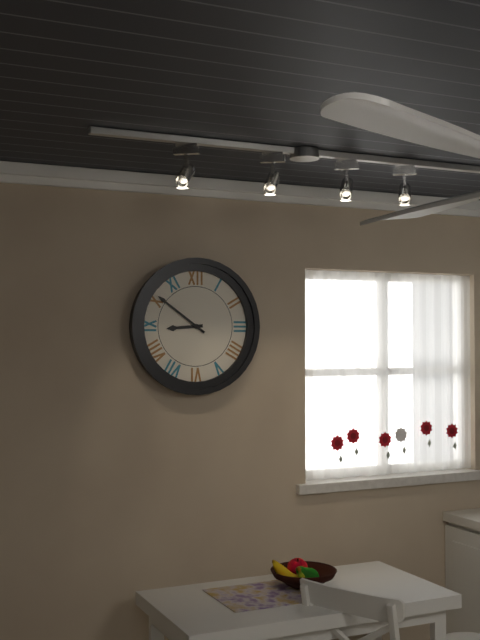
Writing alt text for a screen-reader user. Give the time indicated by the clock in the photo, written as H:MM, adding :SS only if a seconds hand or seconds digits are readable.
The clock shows 8:51
